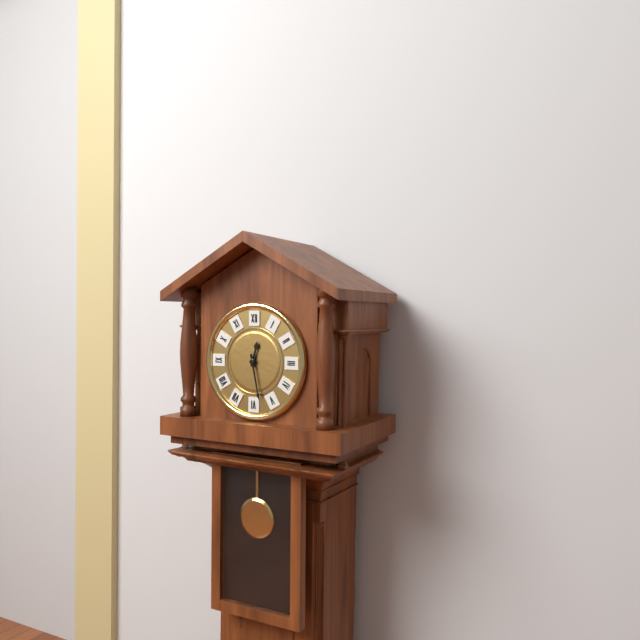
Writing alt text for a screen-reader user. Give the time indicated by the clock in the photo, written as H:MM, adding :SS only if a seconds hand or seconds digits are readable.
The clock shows 12:28
